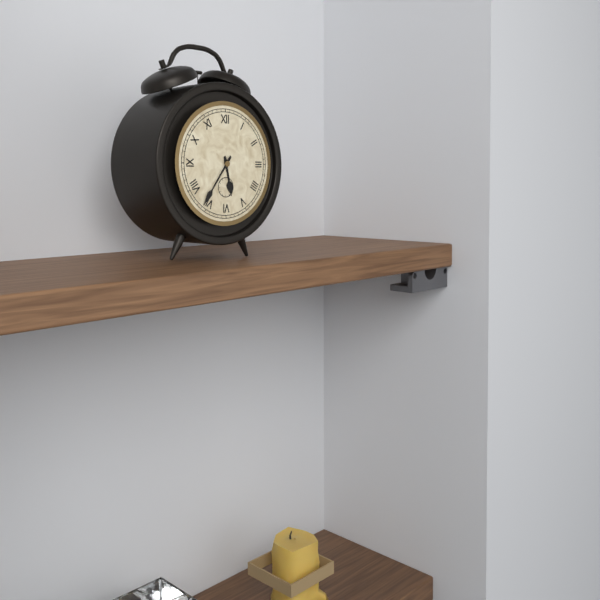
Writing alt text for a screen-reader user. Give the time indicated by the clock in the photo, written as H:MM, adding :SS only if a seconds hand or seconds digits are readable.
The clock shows 5:36
